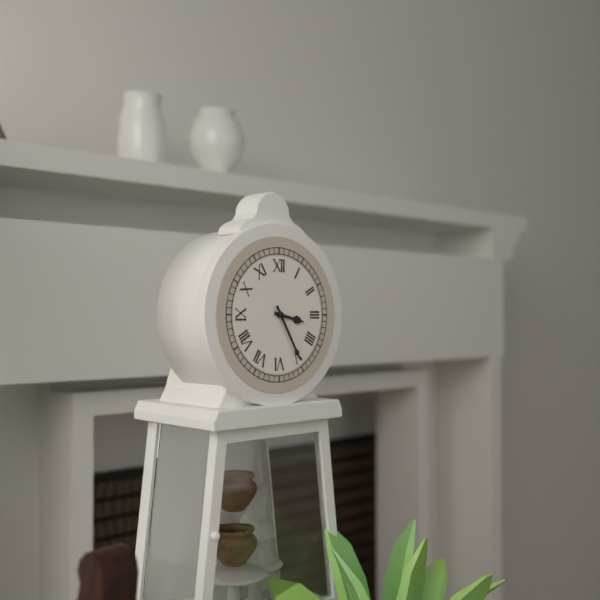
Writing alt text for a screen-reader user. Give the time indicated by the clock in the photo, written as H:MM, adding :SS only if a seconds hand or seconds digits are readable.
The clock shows 3:25
